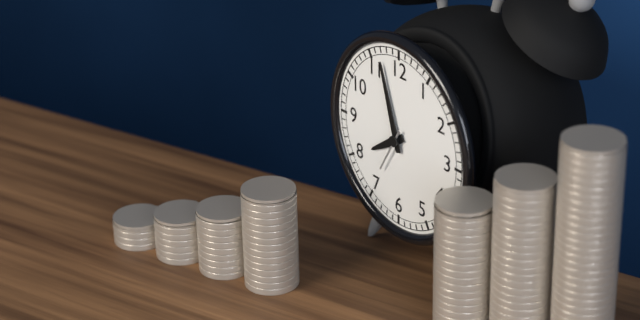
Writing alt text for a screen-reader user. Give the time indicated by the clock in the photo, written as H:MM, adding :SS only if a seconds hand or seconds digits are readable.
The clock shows 7:57
